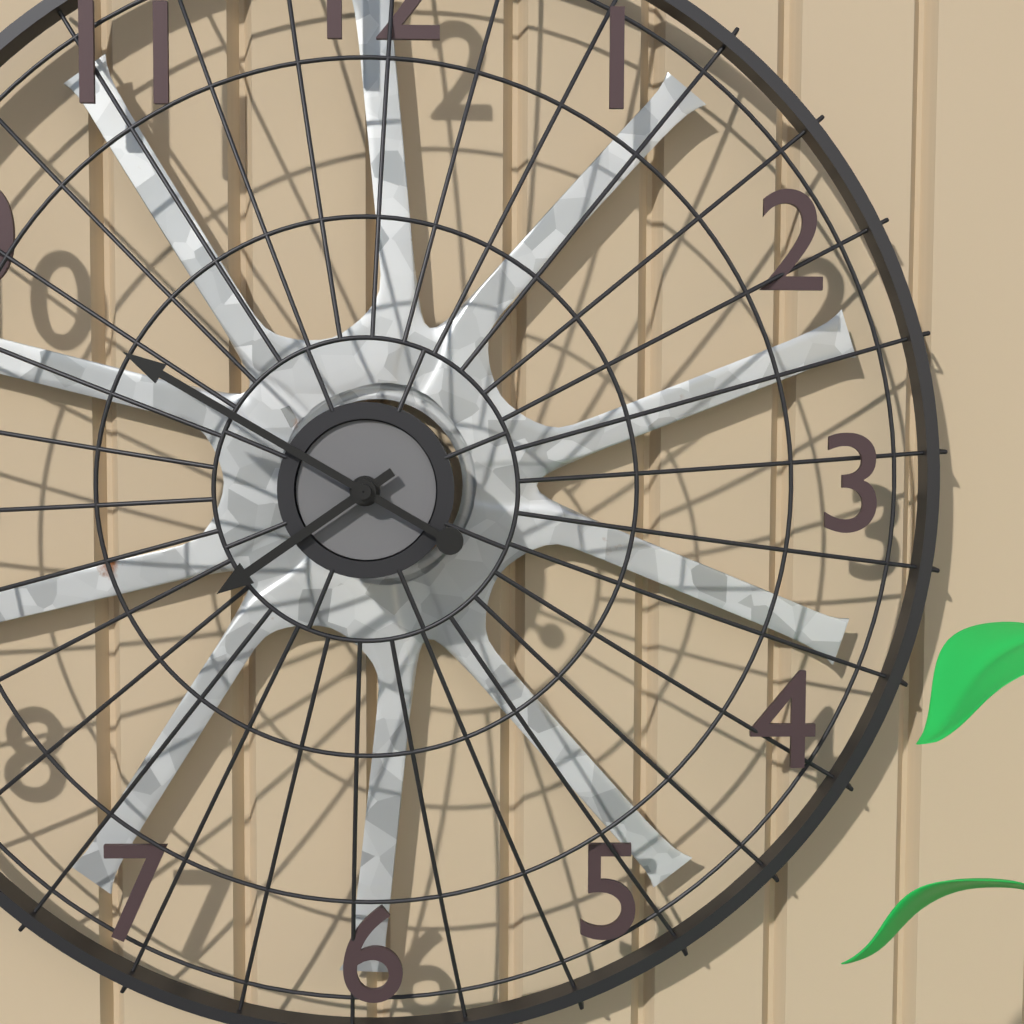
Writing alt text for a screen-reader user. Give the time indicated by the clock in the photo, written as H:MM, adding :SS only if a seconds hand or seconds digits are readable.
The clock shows 7:50
